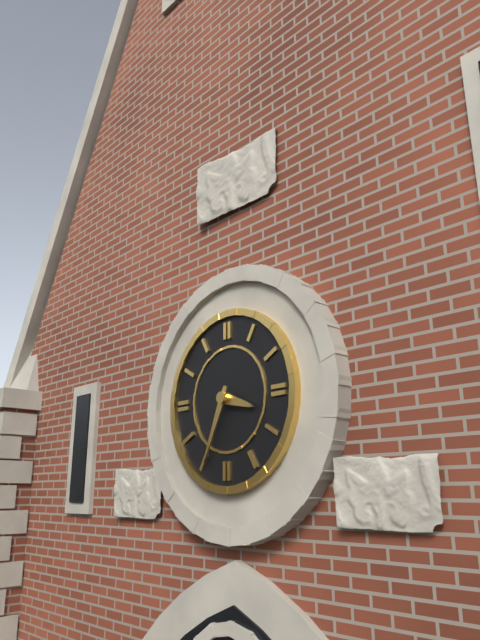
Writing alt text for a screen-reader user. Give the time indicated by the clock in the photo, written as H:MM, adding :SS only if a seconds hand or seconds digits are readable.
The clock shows 3:34
